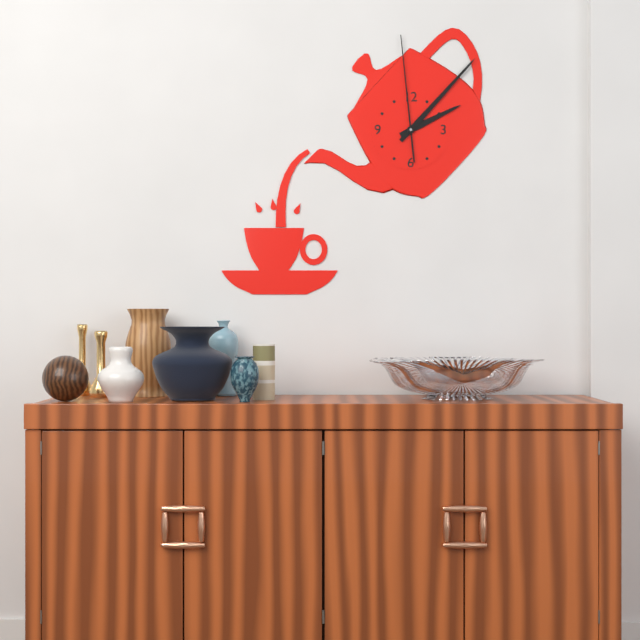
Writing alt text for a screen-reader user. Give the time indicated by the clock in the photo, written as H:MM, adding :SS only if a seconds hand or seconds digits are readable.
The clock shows 2:07:59
